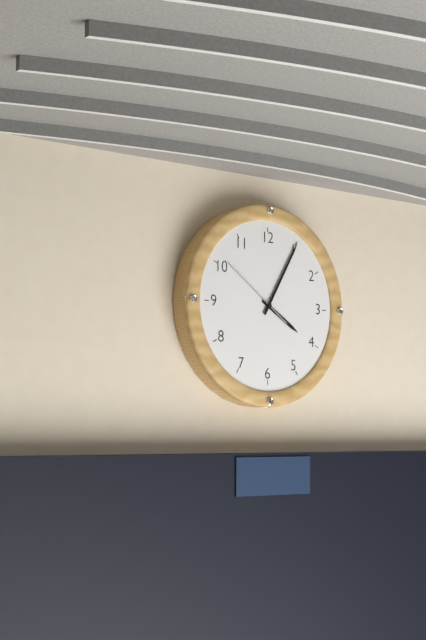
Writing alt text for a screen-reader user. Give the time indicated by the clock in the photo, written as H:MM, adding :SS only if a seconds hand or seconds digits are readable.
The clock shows 4:05:51
